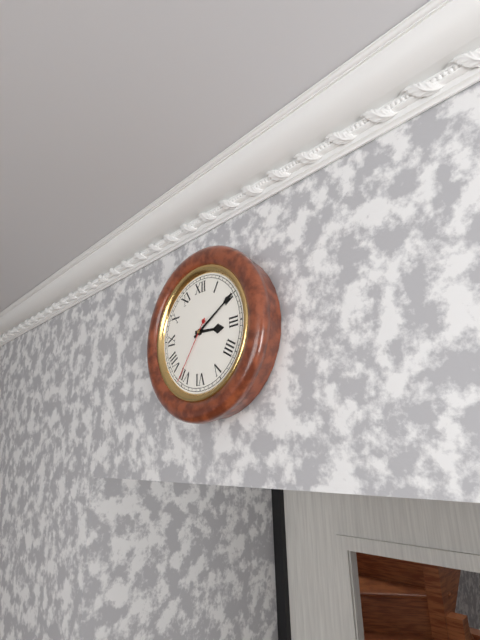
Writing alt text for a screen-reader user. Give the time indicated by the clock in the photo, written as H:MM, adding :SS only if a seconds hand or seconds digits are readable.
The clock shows 3:10:36
